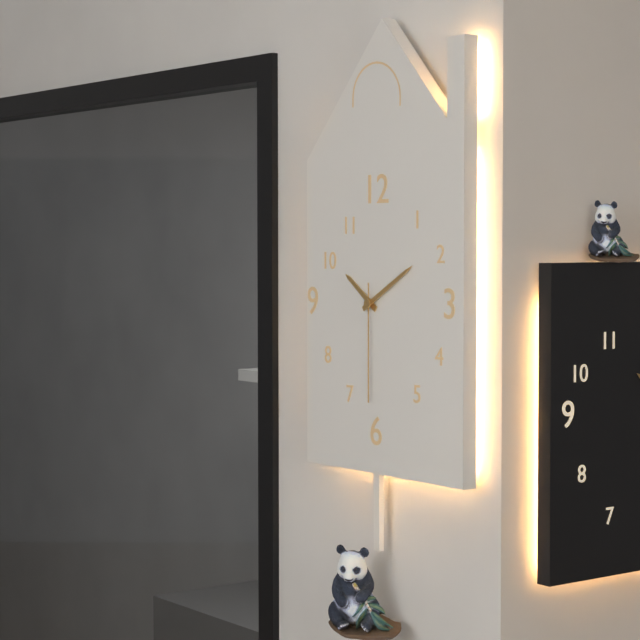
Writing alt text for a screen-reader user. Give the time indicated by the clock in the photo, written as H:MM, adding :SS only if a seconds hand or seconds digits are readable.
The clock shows 10:10:30
